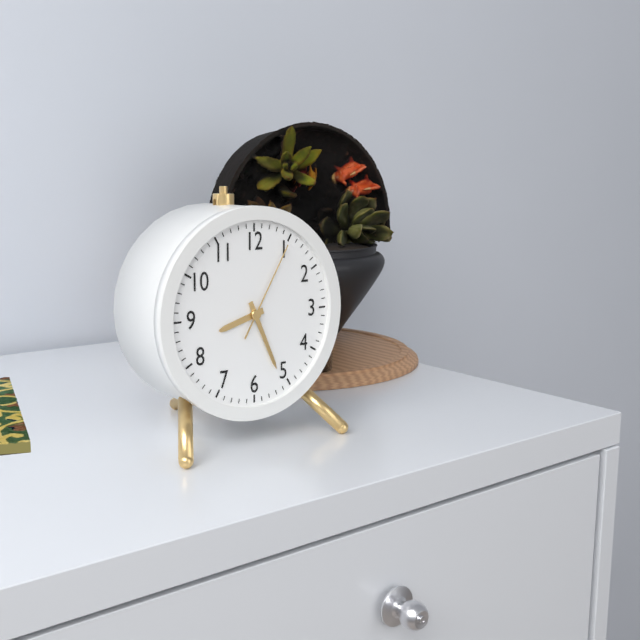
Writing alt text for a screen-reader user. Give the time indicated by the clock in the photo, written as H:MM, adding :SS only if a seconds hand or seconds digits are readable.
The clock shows 8:26:05
